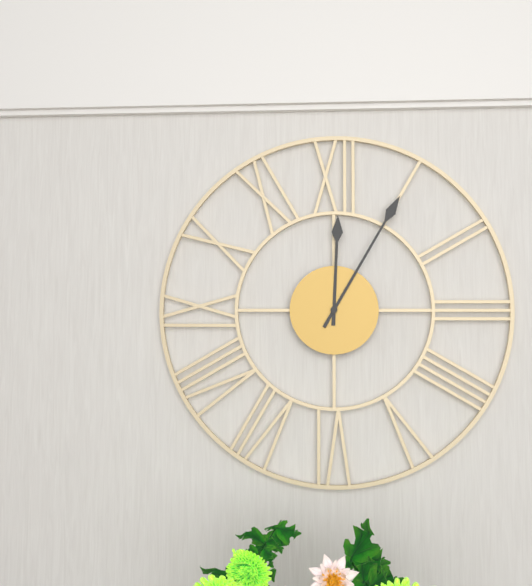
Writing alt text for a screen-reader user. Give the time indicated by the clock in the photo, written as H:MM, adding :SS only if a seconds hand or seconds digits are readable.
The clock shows 12:05
